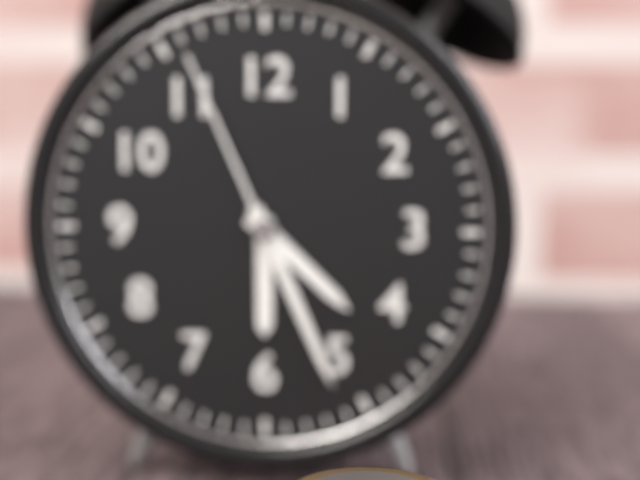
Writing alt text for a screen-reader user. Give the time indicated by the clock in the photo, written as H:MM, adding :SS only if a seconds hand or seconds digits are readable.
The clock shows 4:26:56
